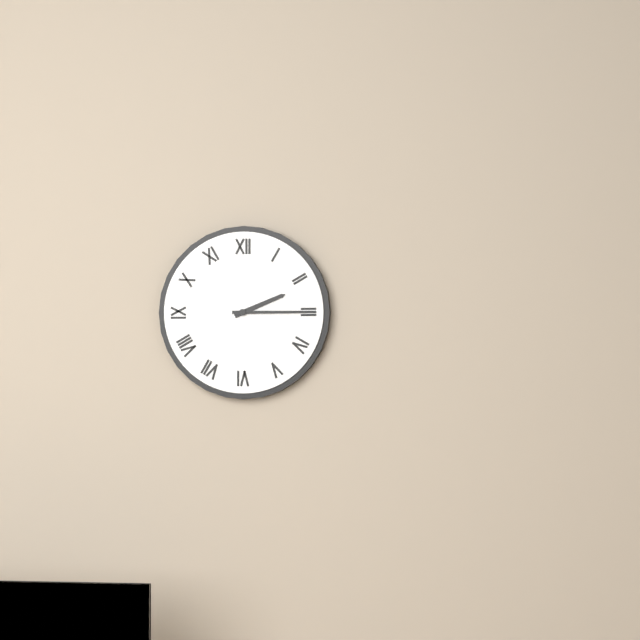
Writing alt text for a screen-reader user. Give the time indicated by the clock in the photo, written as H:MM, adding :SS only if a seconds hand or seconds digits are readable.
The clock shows 2:15
